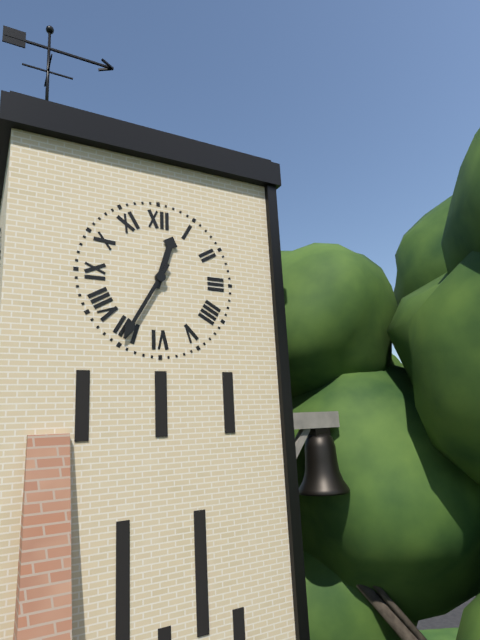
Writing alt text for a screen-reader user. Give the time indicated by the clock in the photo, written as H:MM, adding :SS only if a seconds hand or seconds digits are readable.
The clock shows 12:35
